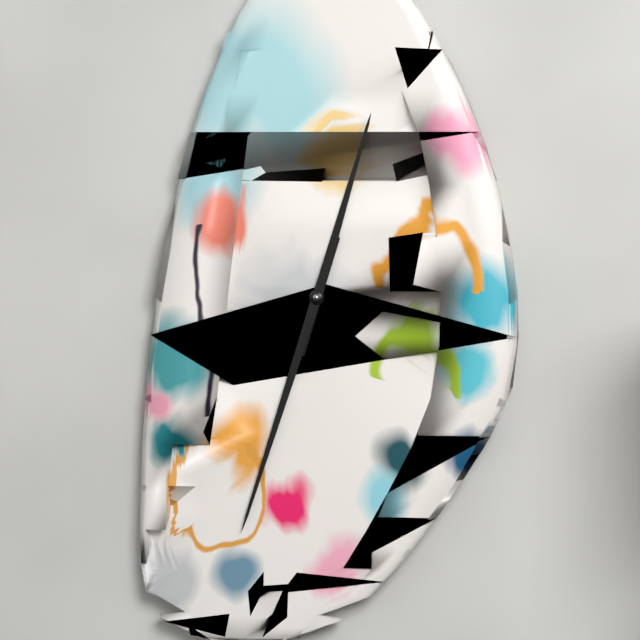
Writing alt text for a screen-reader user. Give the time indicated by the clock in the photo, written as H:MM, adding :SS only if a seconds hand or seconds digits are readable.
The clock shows 12:33
